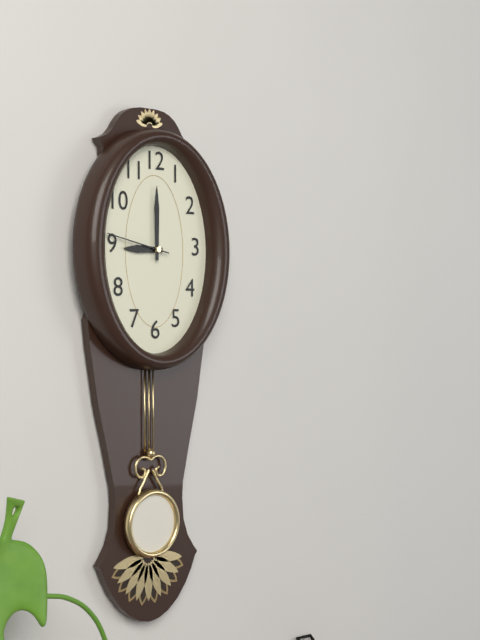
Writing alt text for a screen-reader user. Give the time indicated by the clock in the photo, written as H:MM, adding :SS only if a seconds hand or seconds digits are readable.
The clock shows 9:00:47
